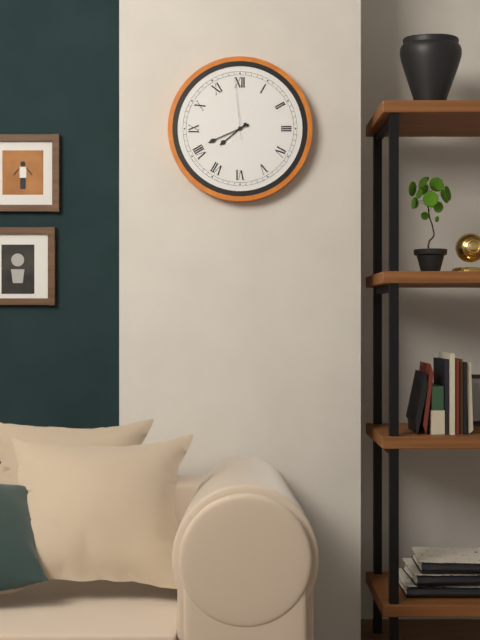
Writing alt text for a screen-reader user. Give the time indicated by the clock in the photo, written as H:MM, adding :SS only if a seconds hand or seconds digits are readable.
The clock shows 7:41:59
